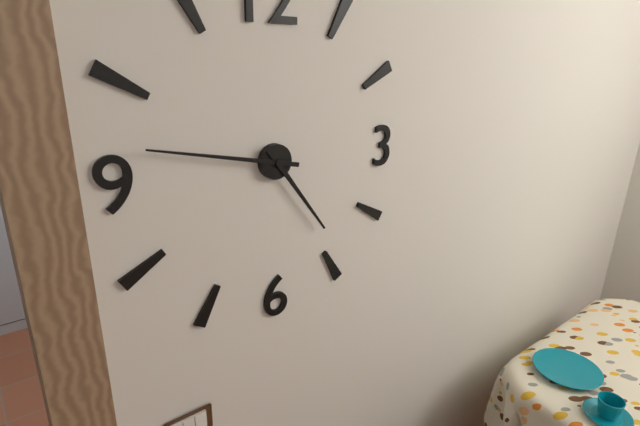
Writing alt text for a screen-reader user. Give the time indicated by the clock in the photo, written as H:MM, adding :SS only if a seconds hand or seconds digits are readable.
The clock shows 4:47
